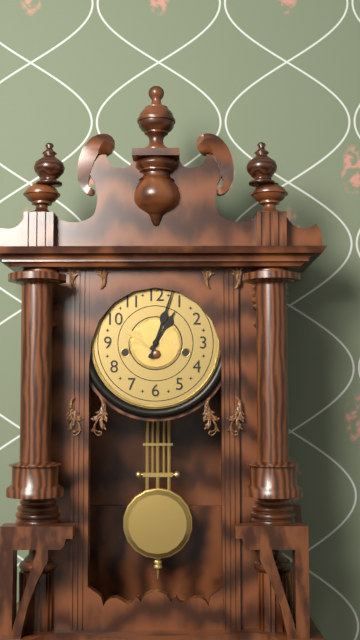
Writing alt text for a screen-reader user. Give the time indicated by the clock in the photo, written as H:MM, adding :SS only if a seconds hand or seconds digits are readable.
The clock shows 1:03
